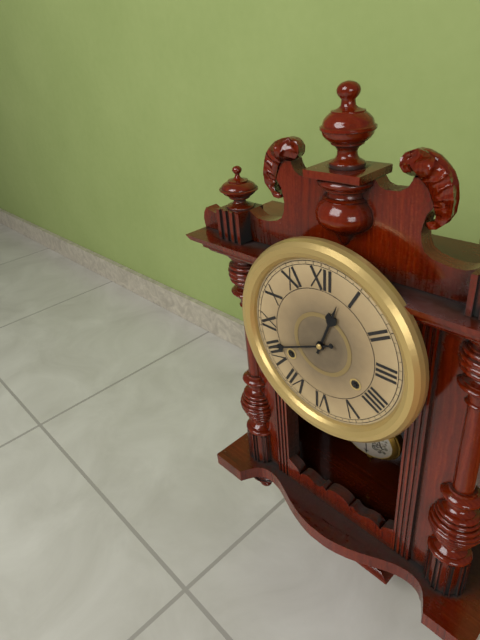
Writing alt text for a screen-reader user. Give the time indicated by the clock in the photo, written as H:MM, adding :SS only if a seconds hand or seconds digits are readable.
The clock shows 12:41
